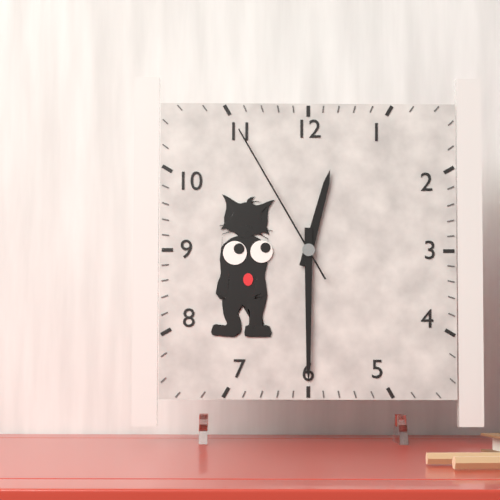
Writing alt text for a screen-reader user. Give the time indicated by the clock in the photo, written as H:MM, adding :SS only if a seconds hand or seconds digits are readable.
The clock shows 12:30:55
